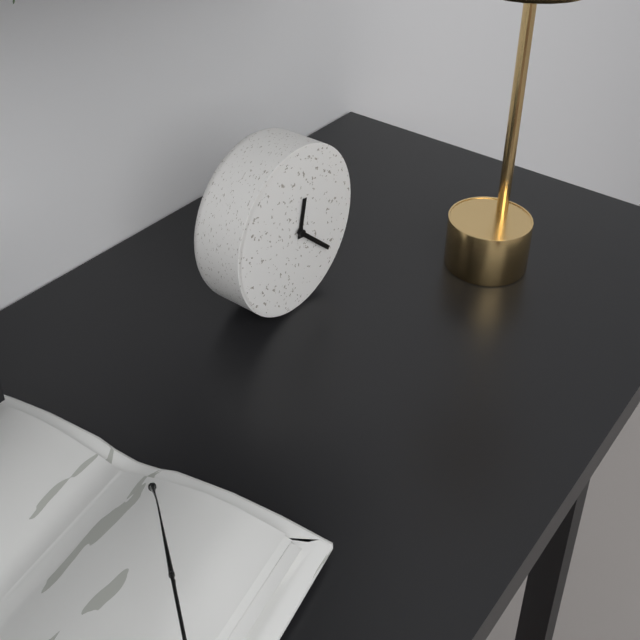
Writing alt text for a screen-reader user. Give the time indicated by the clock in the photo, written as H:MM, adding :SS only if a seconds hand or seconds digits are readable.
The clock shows 12:22
